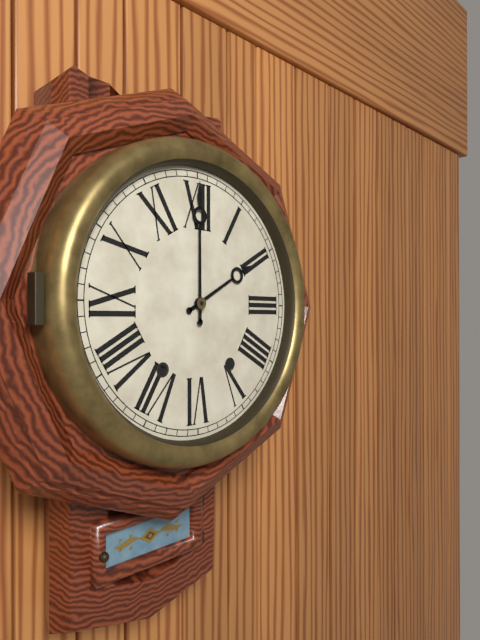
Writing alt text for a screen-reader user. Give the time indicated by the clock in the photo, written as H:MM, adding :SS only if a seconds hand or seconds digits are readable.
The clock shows 2:00
